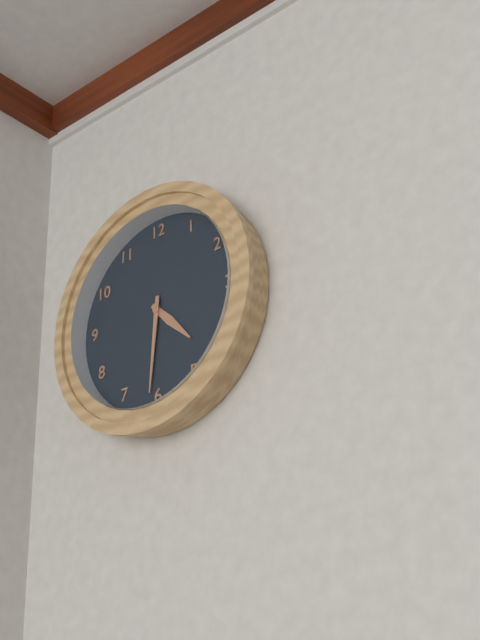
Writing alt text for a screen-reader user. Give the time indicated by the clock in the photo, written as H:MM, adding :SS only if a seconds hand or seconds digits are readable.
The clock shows 4:31
